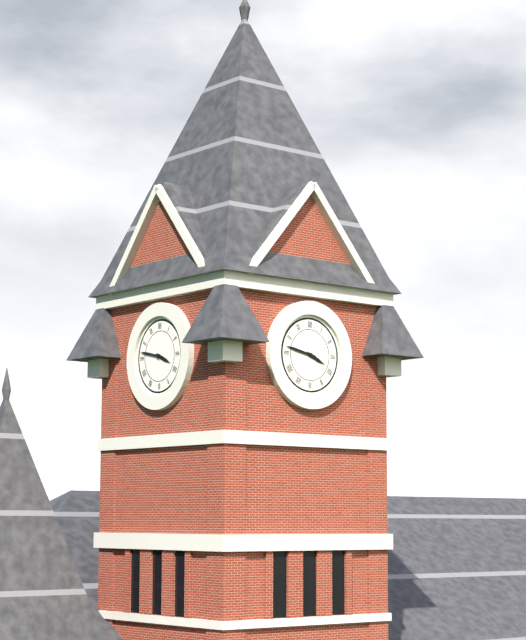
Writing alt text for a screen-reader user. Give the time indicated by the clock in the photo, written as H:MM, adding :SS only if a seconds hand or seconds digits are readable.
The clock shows 3:47
